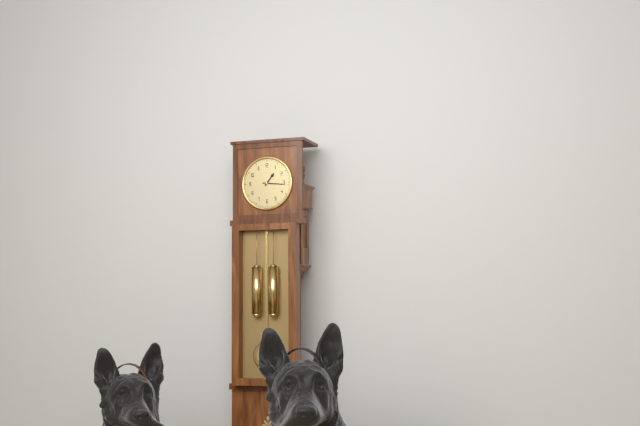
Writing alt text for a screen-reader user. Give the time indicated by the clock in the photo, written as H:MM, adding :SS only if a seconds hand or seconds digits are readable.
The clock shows 1:16
